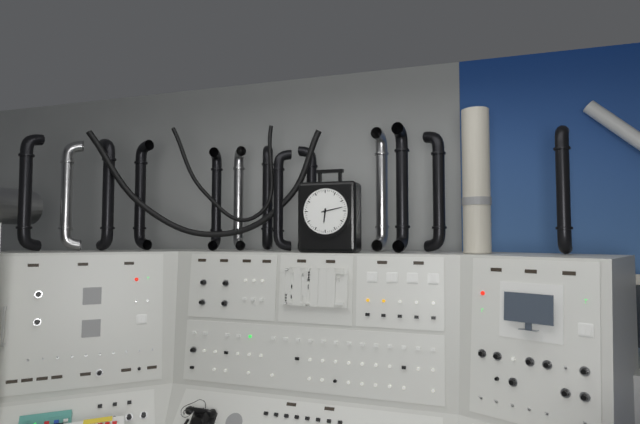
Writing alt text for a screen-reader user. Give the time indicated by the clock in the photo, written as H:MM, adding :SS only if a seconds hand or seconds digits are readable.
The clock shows 6:13
